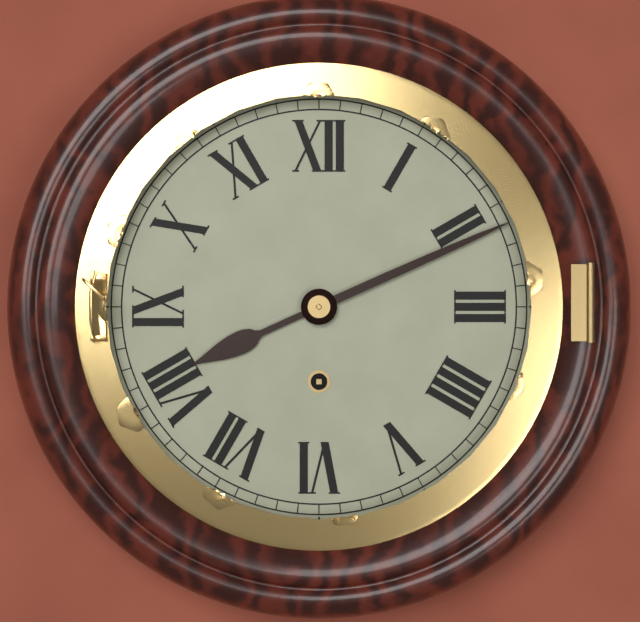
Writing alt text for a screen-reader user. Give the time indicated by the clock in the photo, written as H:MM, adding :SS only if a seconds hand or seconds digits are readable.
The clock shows 8:11
